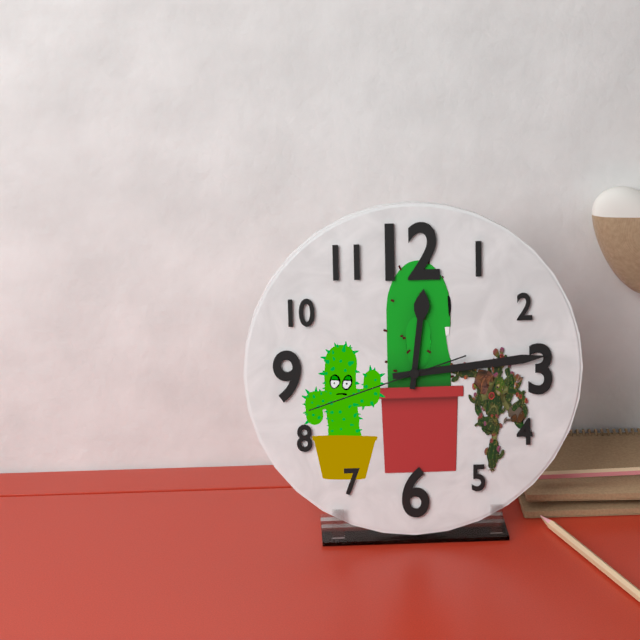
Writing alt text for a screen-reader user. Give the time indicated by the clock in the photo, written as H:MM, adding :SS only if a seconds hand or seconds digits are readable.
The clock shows 12:14:42
